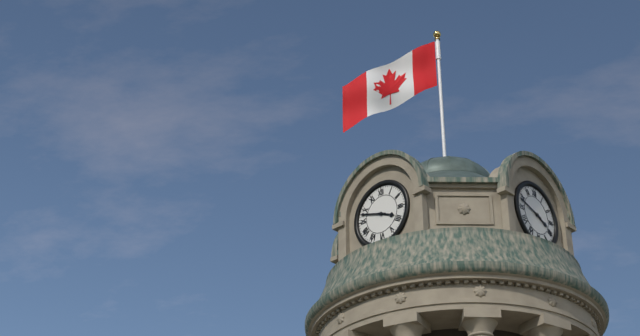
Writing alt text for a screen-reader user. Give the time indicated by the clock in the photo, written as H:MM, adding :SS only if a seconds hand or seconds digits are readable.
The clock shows 3:48
